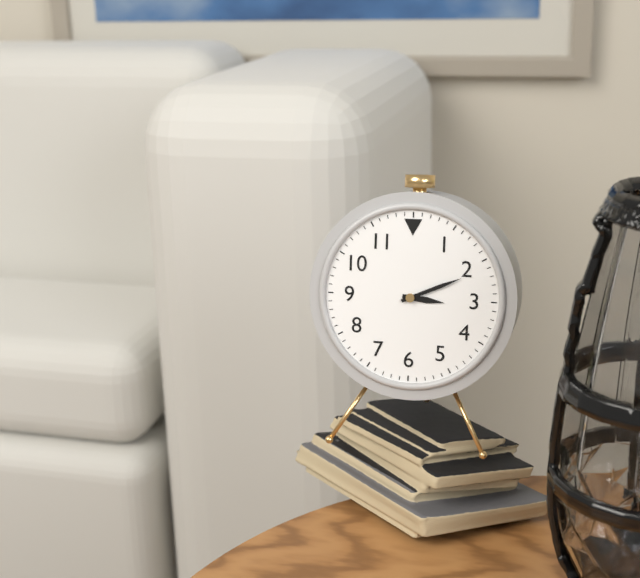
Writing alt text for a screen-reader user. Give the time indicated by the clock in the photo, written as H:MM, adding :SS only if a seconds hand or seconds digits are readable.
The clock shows 3:11
